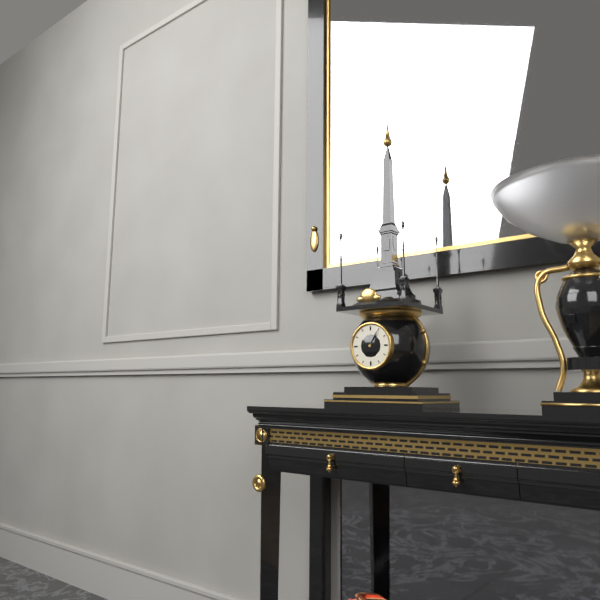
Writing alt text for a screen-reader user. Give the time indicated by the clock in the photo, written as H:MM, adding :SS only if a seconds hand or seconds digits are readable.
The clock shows 10:05
